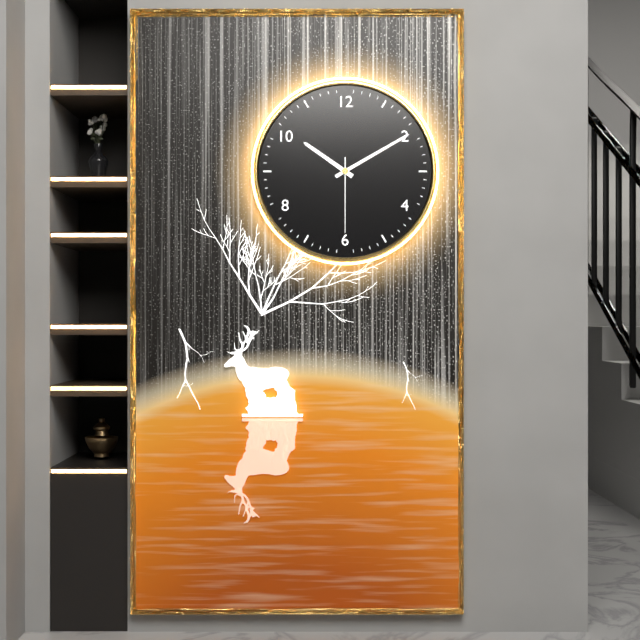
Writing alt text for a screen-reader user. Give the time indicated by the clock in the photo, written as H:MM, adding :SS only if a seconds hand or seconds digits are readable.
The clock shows 10:10:30
